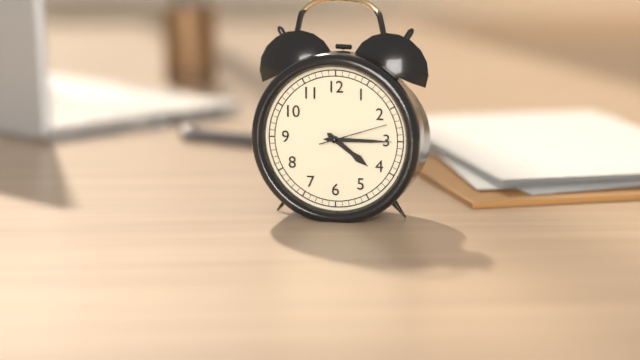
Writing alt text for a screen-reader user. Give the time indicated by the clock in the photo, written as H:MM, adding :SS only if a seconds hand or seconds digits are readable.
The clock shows 4:15:12
